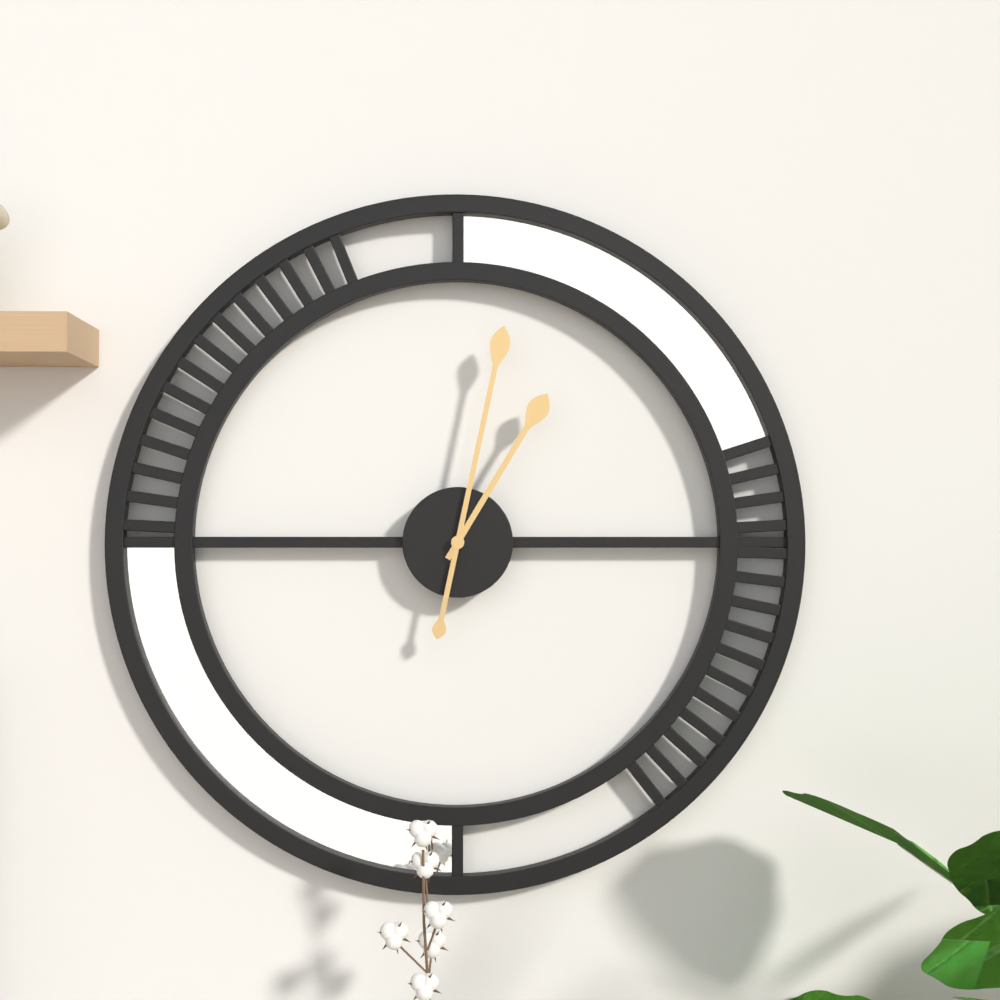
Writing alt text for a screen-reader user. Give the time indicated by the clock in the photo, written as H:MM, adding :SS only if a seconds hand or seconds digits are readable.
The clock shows 1:02
